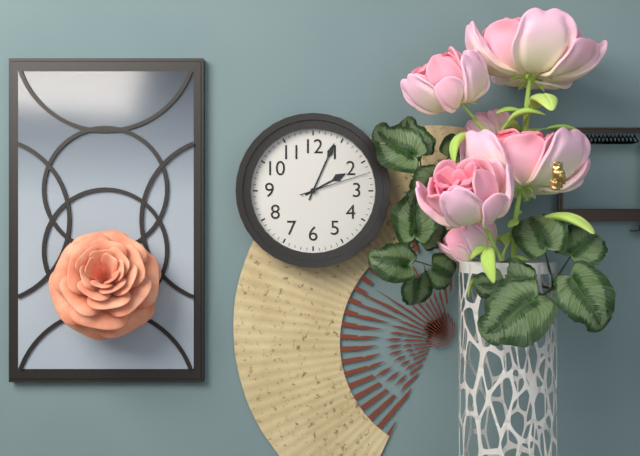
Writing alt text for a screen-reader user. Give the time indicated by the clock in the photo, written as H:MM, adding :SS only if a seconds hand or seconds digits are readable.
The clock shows 2:04:12
